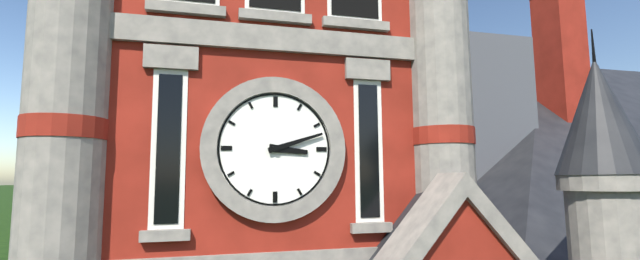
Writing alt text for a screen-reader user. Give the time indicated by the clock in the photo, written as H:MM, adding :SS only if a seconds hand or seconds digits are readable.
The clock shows 3:12
